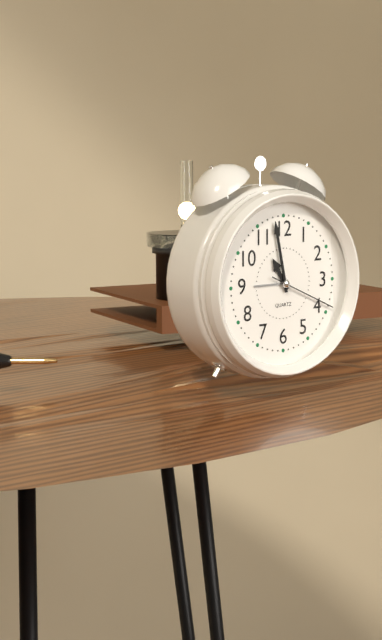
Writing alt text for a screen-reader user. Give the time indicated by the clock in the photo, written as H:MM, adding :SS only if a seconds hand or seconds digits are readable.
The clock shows 10:58:19
